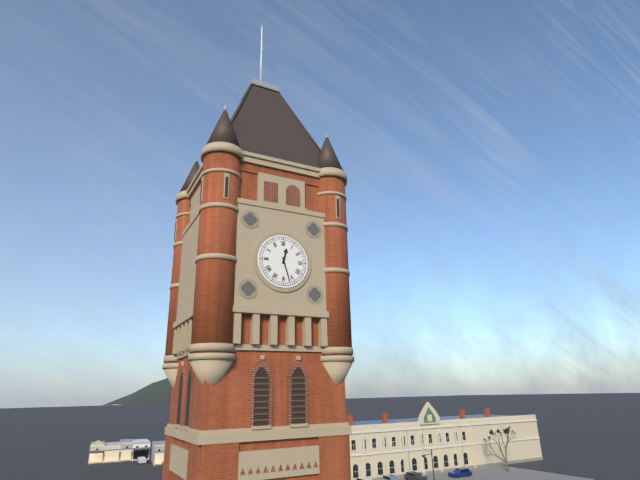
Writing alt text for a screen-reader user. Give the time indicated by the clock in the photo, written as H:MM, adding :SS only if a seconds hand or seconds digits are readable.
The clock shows 12:27
